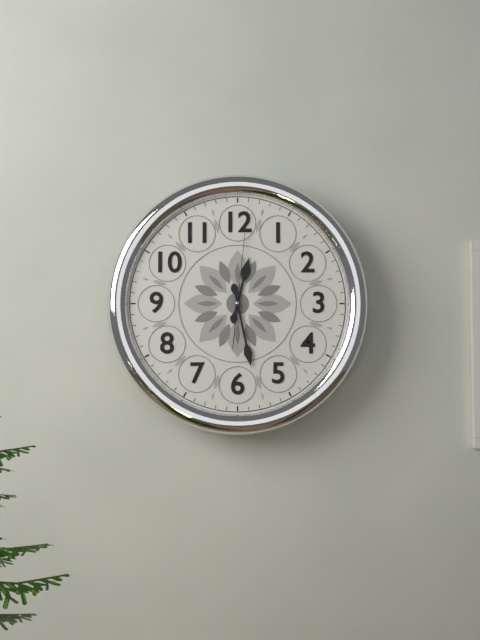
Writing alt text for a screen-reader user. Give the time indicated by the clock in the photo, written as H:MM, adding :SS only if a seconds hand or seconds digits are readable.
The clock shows 12:28:01
